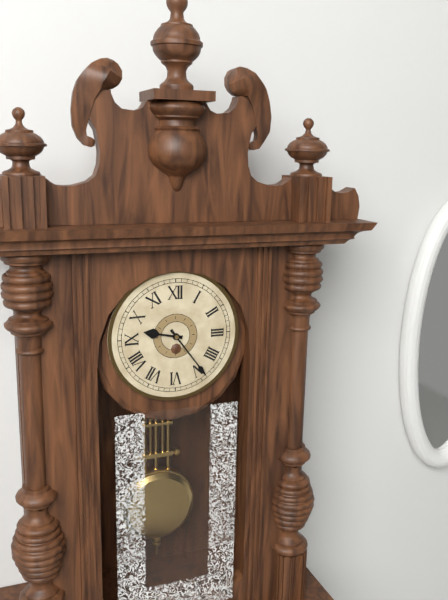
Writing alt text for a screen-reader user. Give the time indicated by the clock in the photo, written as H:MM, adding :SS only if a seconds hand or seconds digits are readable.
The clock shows 9:24
